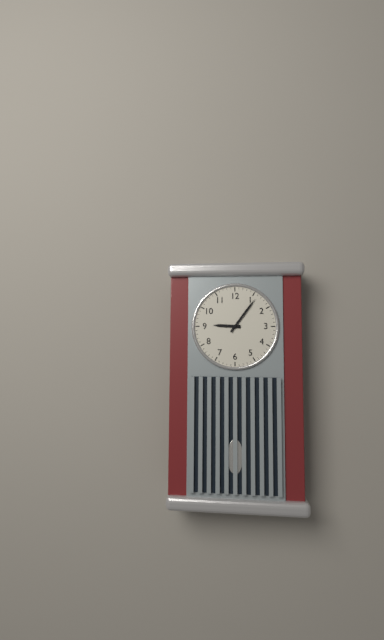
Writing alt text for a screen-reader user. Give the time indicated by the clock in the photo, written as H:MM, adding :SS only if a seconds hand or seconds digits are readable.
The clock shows 9:06
